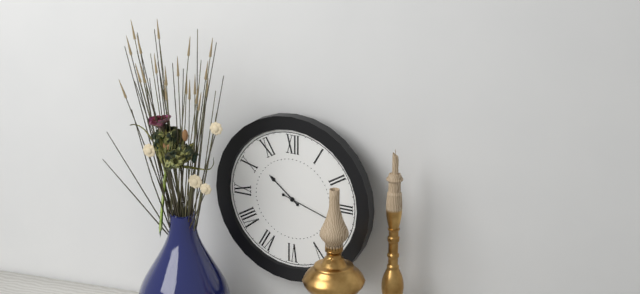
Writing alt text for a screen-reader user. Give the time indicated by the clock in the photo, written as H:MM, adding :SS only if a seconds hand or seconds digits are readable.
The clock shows 10:18
